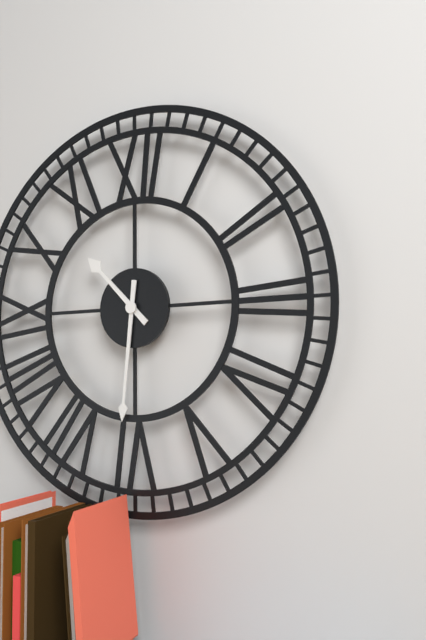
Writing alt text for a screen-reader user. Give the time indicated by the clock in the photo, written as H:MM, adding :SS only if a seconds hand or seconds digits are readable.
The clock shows 10:31
